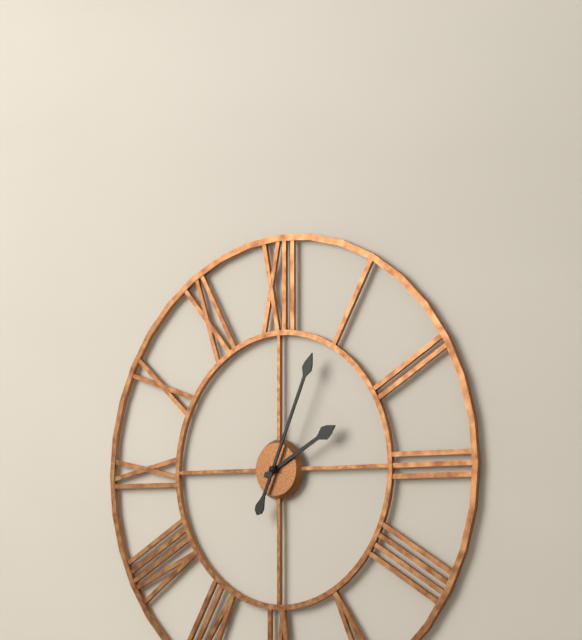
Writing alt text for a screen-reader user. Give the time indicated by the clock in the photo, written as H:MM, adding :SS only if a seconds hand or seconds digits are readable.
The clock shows 2:04
